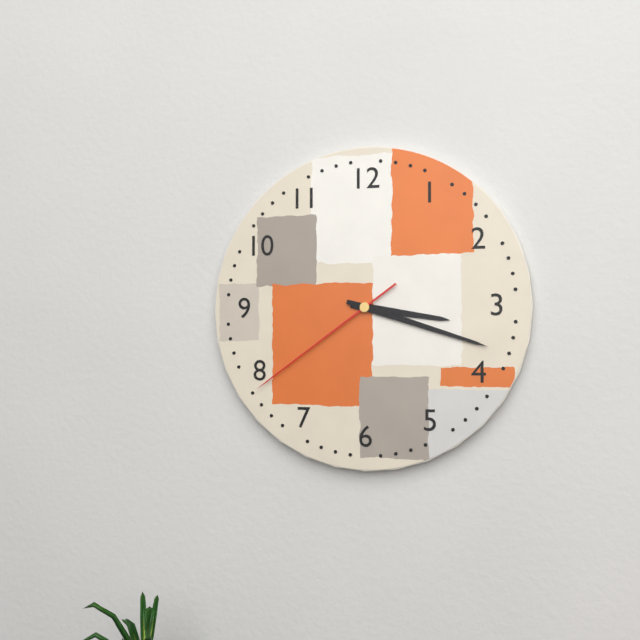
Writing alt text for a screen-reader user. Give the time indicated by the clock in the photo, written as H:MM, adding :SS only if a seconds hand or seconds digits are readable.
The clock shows 3:18:39
